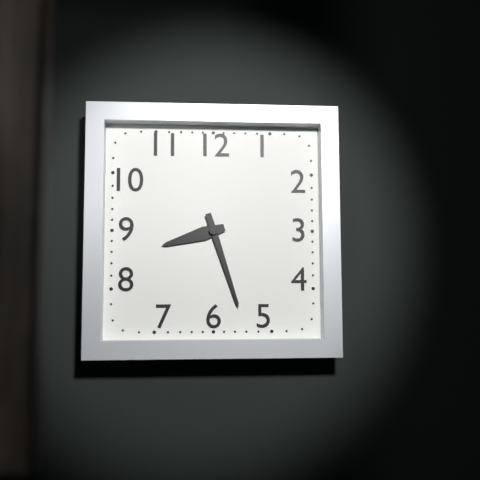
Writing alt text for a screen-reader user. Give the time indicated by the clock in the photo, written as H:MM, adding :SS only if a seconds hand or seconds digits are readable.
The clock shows 8:27
